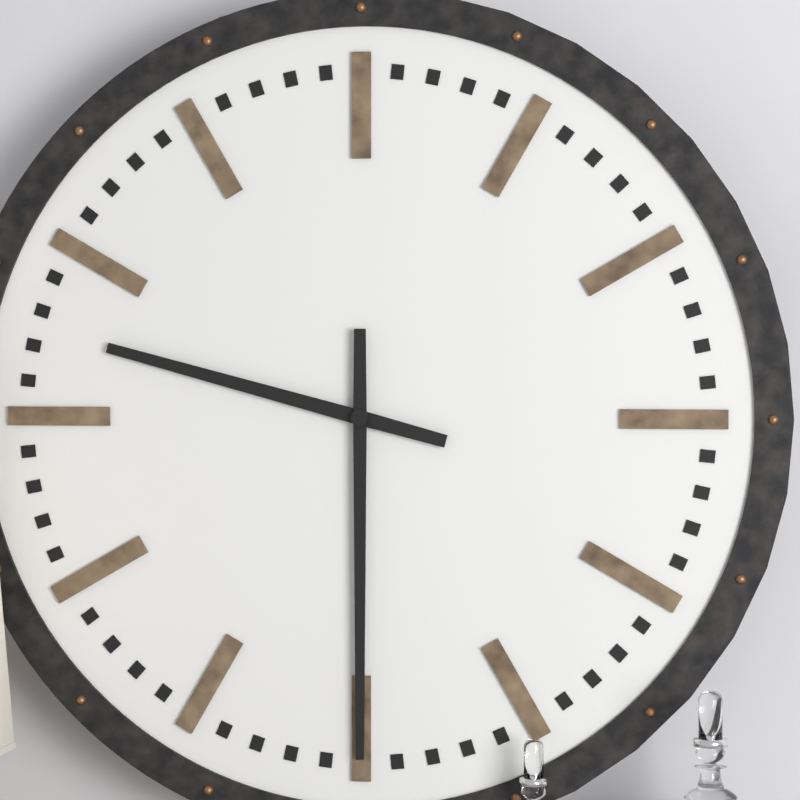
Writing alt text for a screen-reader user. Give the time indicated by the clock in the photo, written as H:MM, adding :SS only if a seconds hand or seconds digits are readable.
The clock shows 9:30
